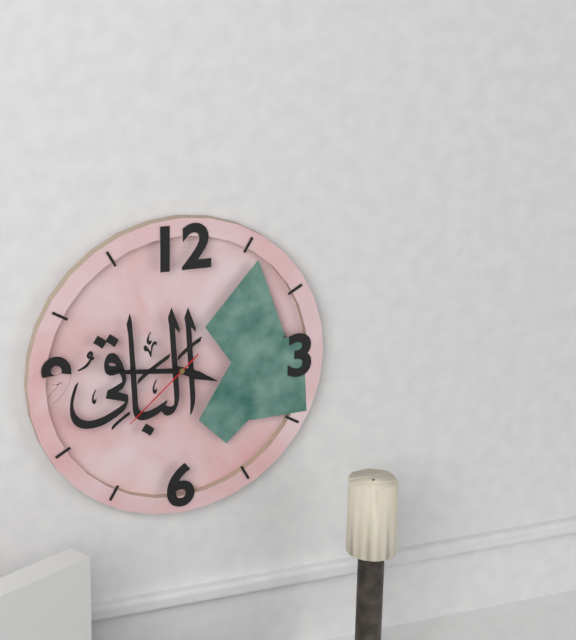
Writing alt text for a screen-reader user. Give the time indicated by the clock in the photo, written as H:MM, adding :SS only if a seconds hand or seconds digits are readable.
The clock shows 3:46:38
